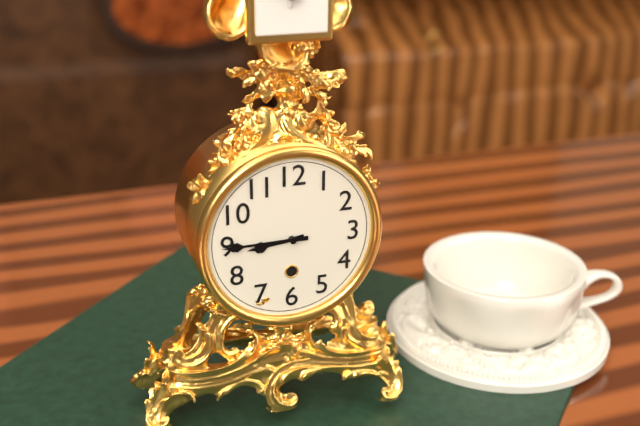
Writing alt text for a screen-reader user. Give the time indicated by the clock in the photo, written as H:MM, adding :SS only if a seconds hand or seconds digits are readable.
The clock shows 8:45
